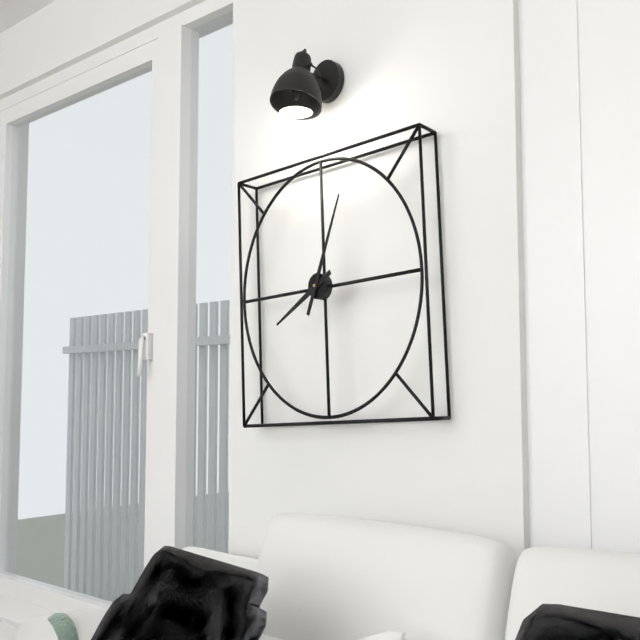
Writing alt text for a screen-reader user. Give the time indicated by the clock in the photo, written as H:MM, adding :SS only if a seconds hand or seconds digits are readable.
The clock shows 8:04
